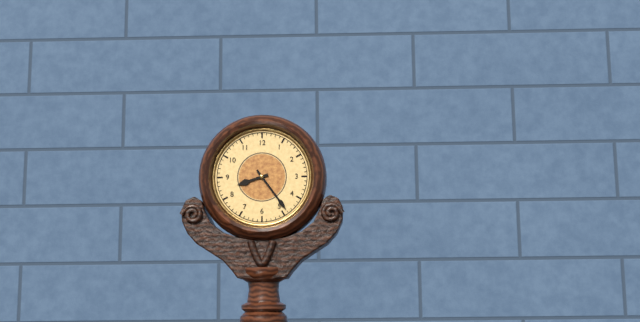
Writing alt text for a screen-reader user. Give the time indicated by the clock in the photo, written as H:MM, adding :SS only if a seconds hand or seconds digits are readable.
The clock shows 8:24
